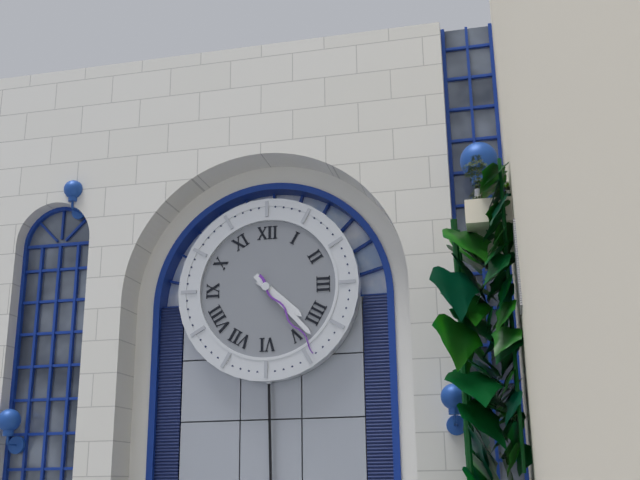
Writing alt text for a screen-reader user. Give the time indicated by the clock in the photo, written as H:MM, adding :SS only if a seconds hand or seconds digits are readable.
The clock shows 4:23:24
